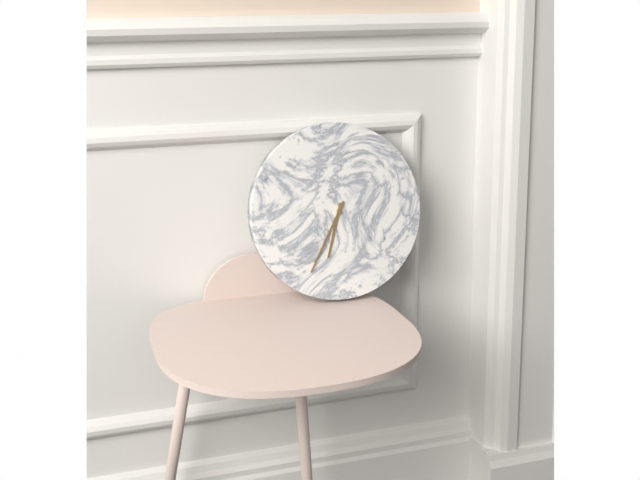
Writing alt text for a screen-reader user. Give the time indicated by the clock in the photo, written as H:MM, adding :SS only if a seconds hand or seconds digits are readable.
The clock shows 6:35
